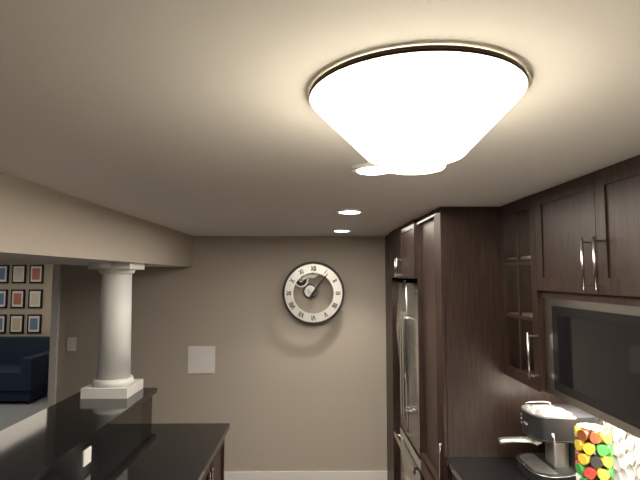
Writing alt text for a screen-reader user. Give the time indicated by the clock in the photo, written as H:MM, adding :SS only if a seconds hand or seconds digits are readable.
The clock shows 1:06
